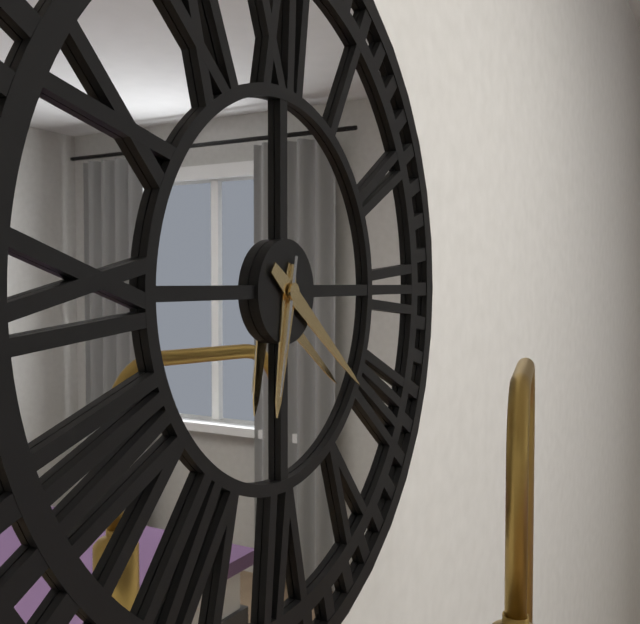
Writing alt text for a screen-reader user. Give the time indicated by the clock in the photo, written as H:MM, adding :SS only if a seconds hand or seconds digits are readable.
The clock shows 6:21:32
